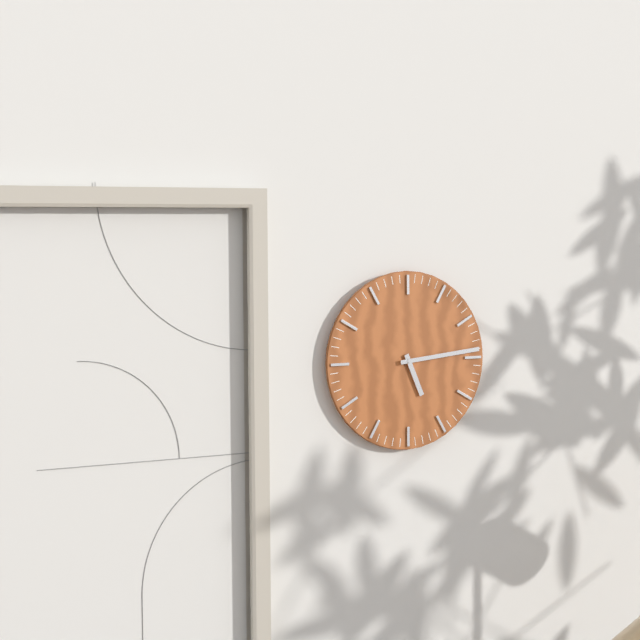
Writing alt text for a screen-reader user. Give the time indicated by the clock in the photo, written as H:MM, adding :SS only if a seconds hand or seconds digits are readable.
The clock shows 5:14
